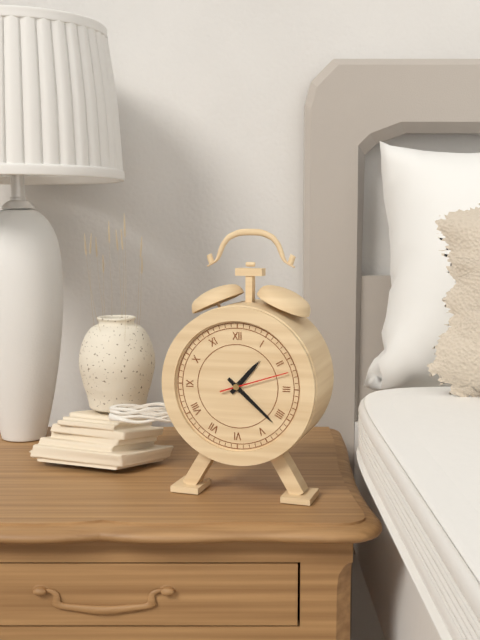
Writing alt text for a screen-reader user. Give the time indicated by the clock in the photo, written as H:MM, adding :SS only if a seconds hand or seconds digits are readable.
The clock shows 1:22:12
